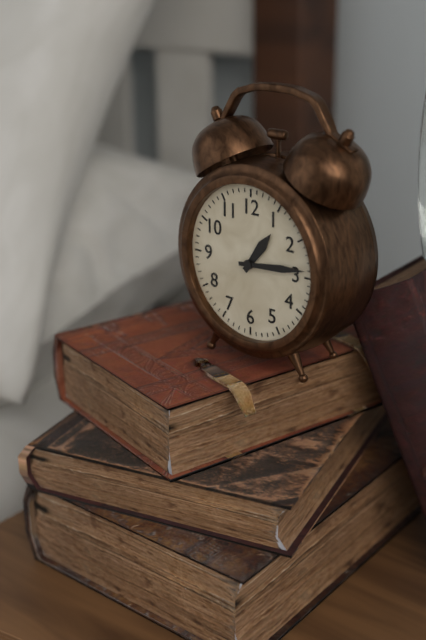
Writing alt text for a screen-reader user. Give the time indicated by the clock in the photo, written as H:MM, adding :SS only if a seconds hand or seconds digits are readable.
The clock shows 1:14
